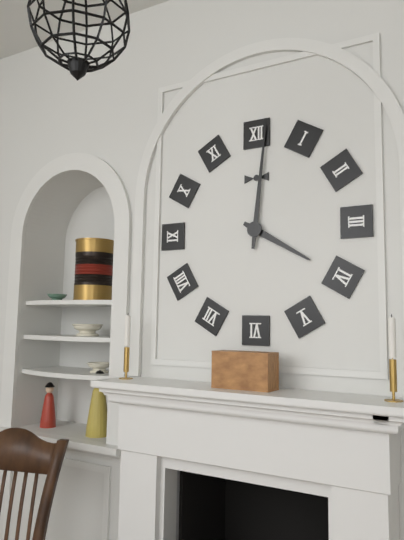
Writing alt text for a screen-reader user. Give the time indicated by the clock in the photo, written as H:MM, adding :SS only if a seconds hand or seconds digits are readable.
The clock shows 4:01
